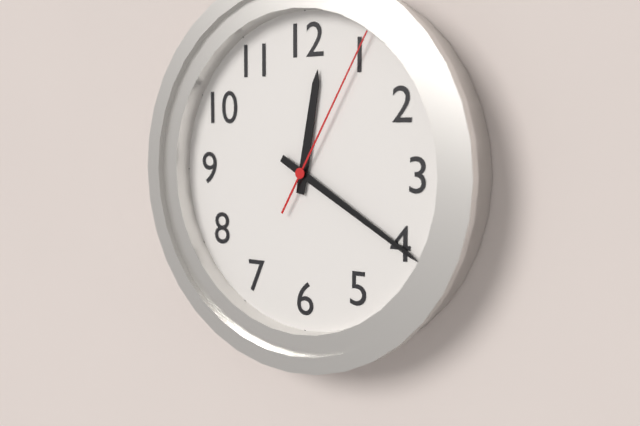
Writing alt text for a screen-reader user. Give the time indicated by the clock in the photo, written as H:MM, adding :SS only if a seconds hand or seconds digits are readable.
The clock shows 12:20:05
